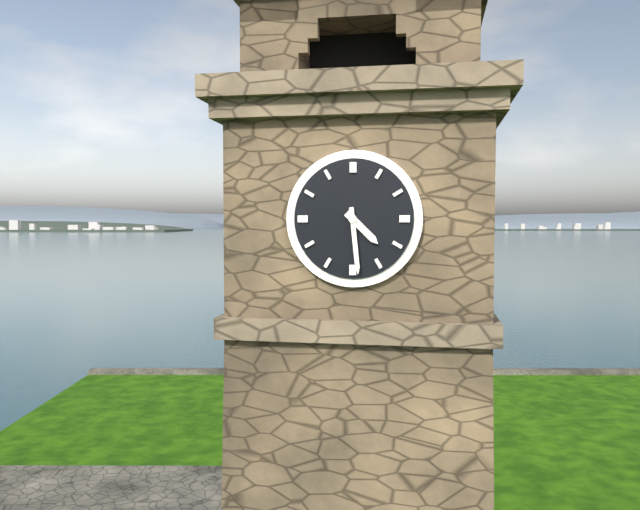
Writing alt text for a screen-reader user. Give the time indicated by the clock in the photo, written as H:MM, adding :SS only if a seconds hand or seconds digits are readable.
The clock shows 4:29
